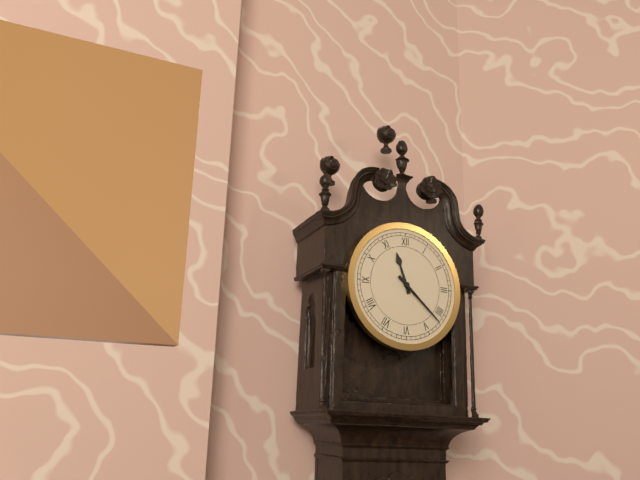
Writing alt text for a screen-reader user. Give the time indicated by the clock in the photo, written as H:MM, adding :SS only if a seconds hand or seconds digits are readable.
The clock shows 11:22
